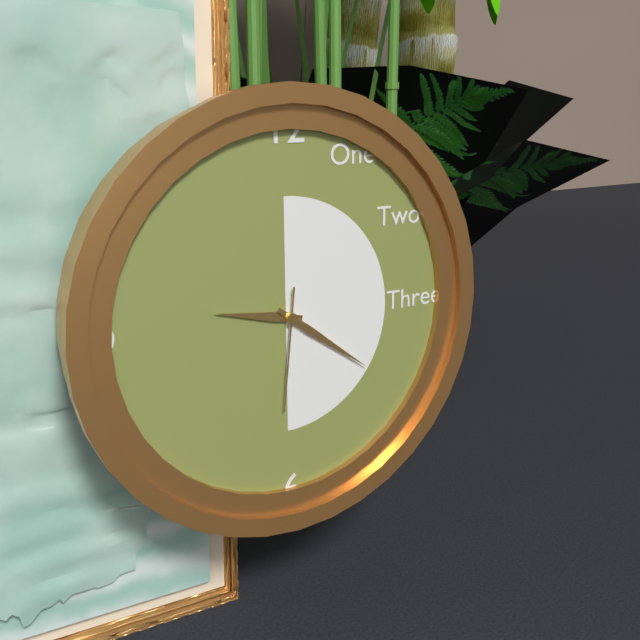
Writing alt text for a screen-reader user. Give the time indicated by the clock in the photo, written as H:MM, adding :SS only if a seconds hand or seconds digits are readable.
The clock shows 9:21:31
